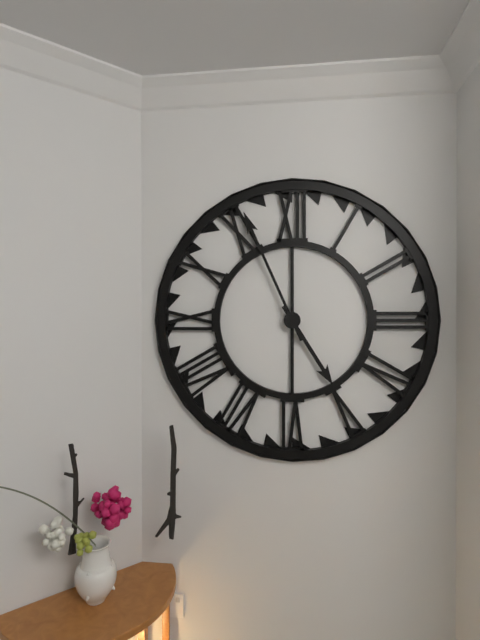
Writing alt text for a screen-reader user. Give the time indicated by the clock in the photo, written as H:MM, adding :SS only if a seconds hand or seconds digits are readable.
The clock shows 4:56
